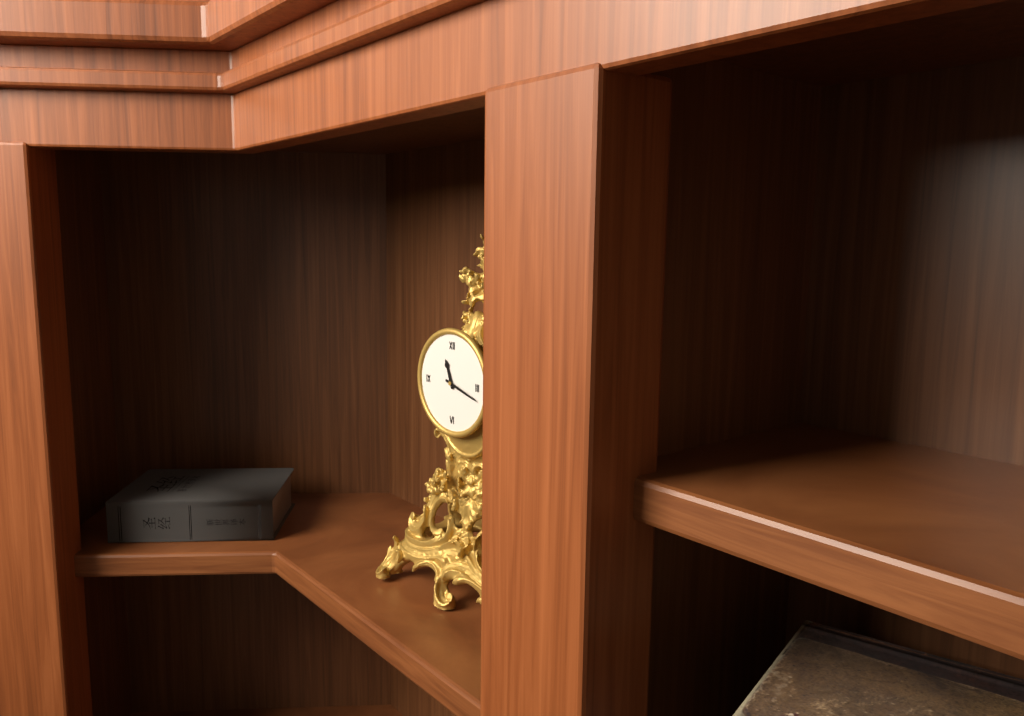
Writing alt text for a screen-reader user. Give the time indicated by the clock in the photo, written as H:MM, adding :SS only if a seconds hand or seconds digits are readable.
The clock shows 11:18
